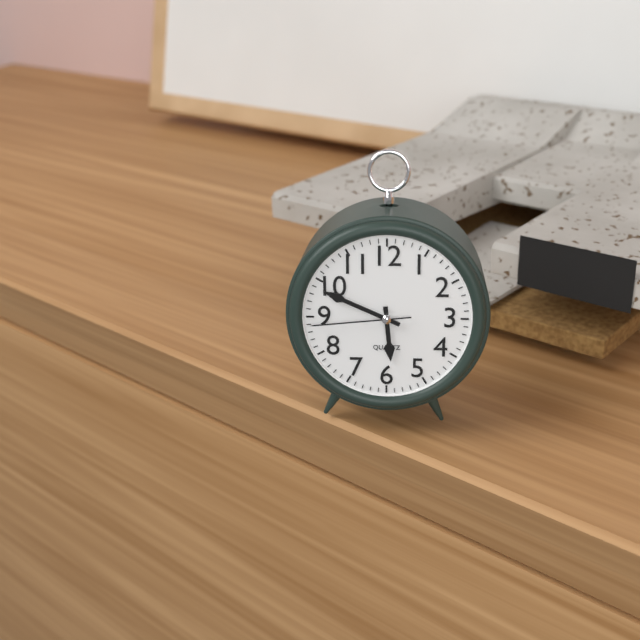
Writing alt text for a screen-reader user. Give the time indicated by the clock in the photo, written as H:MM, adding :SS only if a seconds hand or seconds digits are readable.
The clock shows 5:49:44
